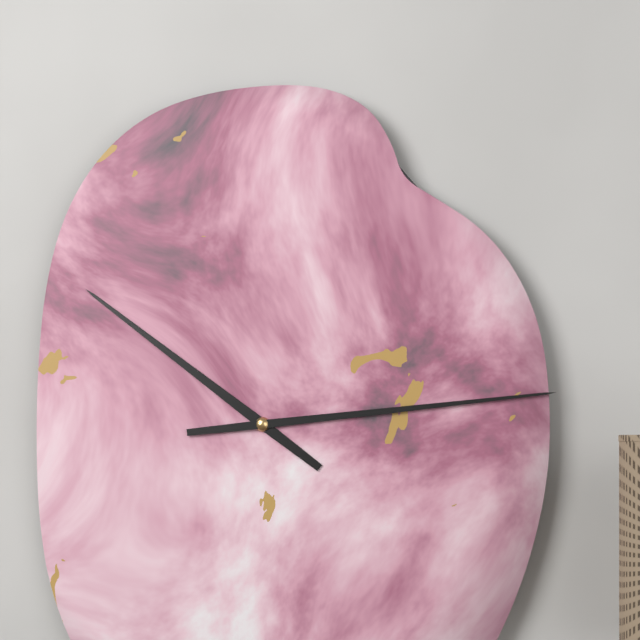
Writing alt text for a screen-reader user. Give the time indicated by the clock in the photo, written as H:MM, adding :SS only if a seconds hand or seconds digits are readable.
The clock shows 10:14
